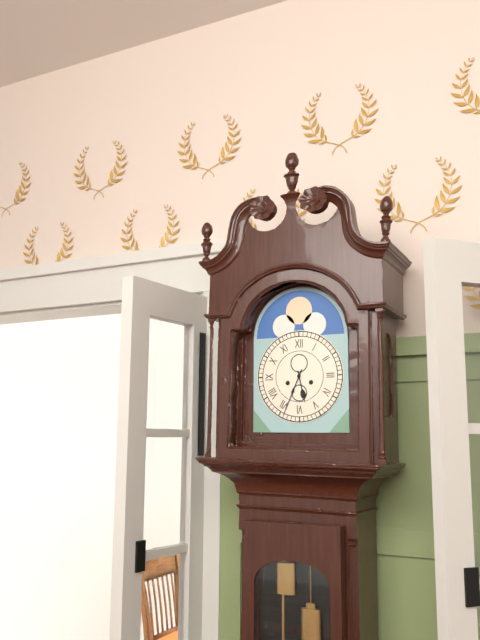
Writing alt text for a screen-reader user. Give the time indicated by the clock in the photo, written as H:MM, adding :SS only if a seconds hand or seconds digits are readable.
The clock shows 5:34
